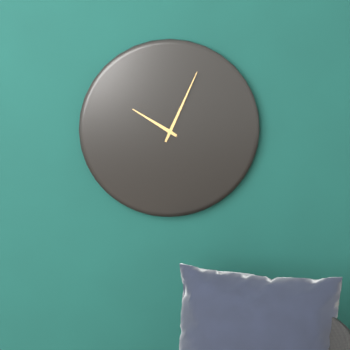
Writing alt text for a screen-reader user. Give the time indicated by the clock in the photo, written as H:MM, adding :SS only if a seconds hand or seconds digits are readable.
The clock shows 10:04
